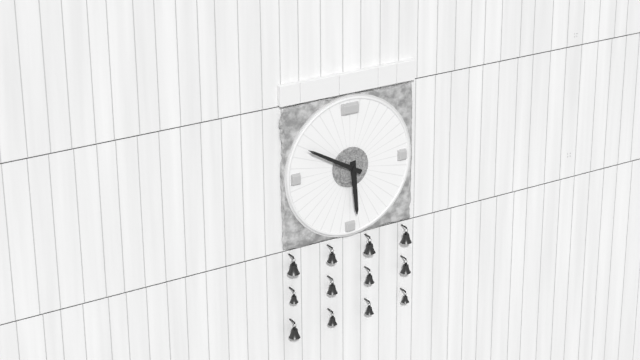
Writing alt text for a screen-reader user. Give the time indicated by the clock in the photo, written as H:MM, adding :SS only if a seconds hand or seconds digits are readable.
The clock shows 5:50
